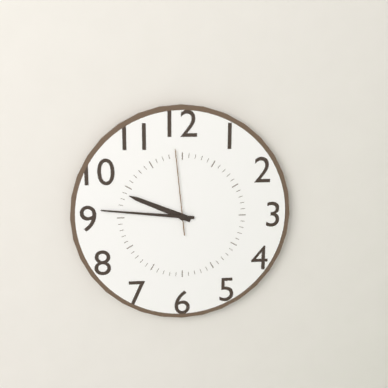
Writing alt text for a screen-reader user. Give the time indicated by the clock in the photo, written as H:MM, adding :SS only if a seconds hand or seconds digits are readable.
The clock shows 9:46:59
